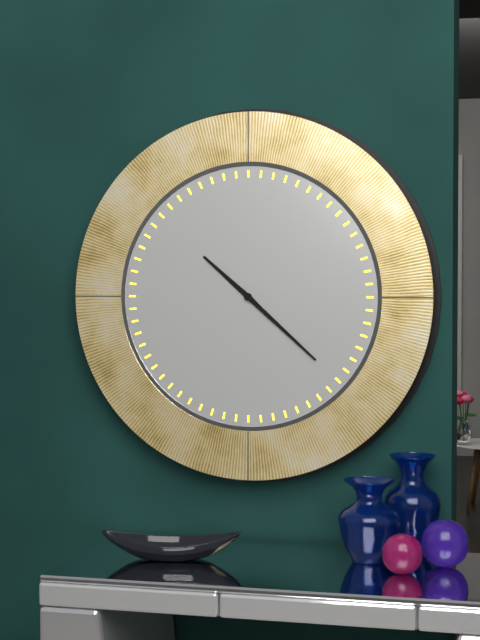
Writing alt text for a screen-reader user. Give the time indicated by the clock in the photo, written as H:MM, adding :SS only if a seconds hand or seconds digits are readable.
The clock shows 10:22
